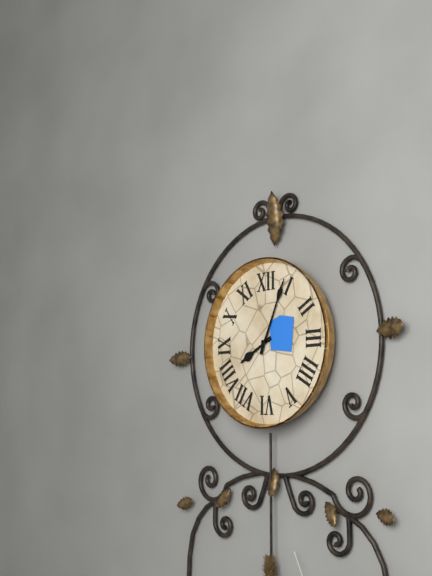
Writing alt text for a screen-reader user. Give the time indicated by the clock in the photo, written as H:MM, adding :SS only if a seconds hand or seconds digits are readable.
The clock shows 8:04
